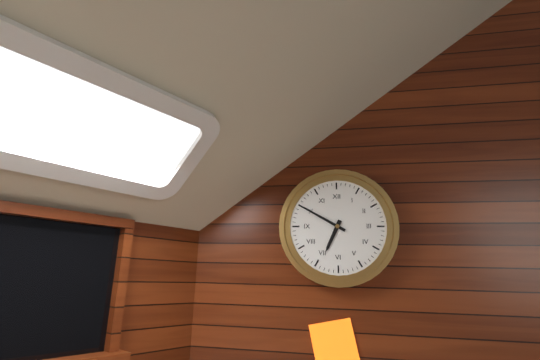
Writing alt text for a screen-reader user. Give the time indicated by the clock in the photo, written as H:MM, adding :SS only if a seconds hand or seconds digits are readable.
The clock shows 6:50
